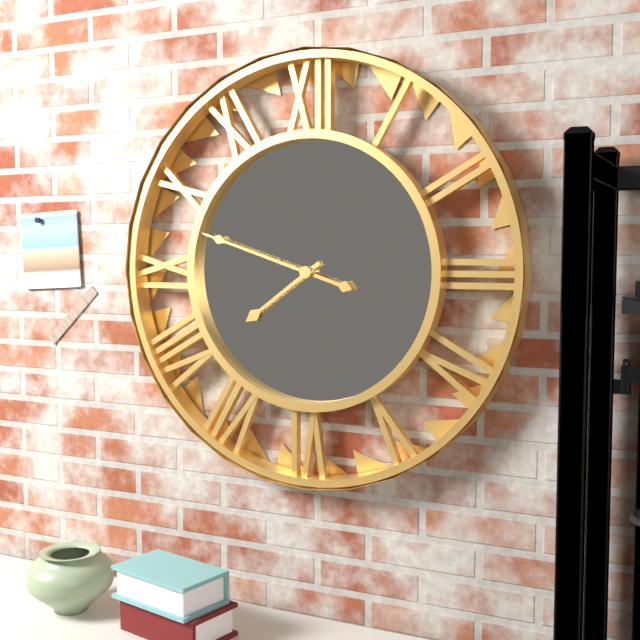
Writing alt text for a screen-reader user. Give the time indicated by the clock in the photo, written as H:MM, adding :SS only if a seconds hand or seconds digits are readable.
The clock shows 7:48
